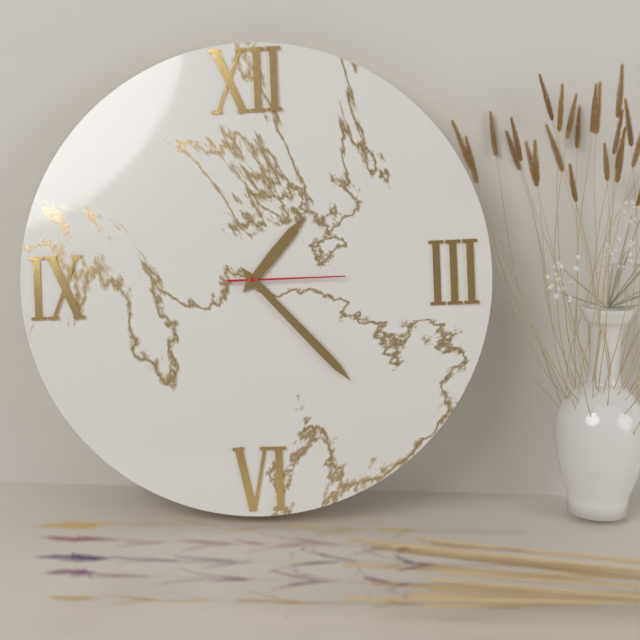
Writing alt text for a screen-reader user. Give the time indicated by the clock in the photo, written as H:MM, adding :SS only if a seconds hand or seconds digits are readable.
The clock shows 1:23:15
